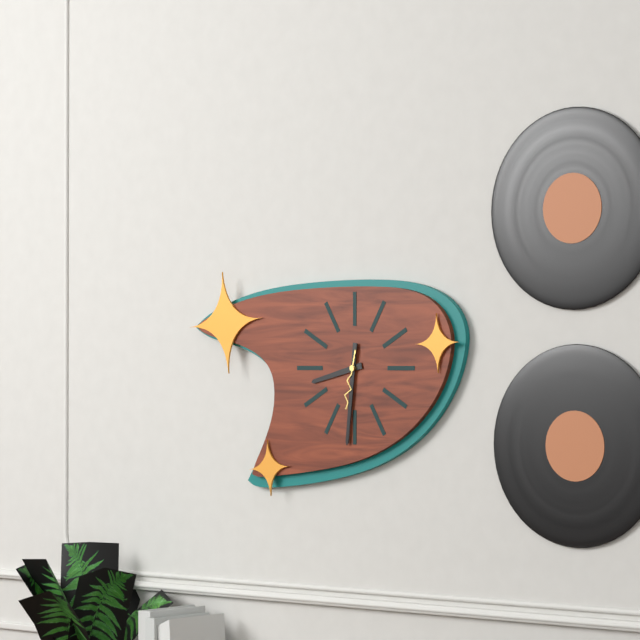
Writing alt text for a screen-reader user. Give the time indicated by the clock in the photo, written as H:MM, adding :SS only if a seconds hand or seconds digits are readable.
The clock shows 8:31:32
